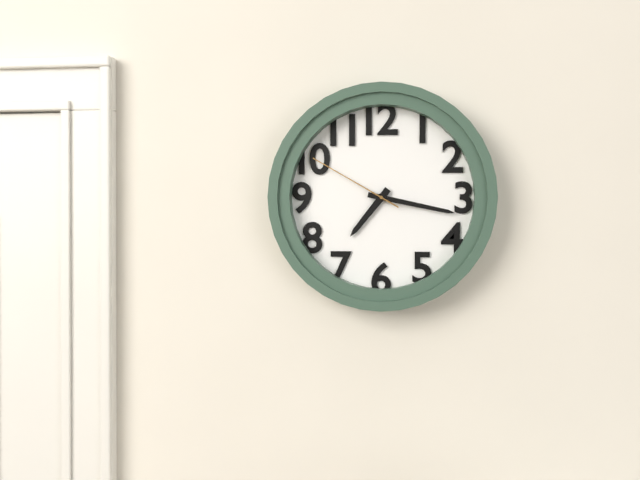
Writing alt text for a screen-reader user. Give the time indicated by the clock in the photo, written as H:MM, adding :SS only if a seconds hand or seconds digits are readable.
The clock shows 7:17:50
